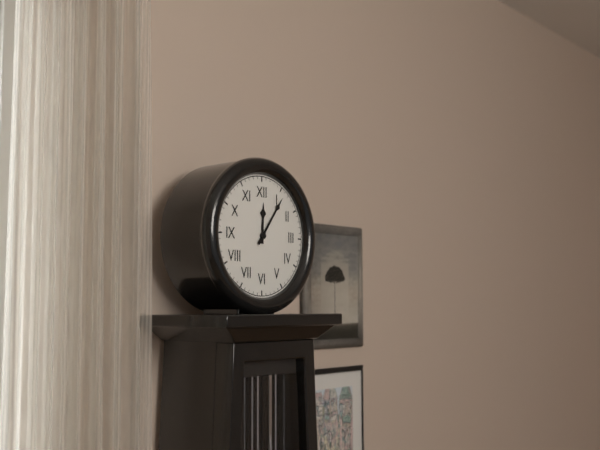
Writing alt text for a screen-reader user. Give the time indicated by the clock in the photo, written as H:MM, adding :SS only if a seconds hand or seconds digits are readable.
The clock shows 12:06
